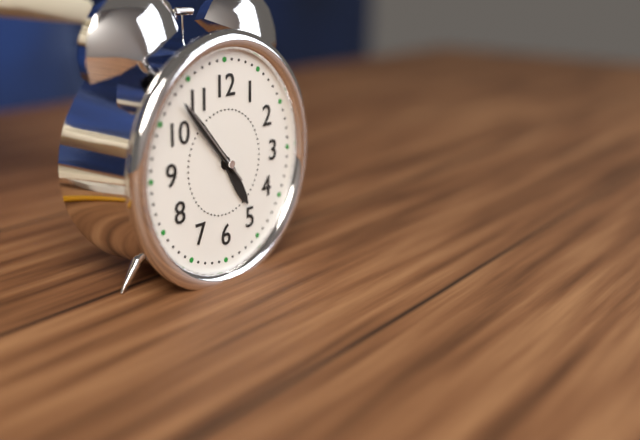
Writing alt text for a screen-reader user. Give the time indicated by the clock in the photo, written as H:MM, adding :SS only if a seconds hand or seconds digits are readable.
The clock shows 4:53:53
